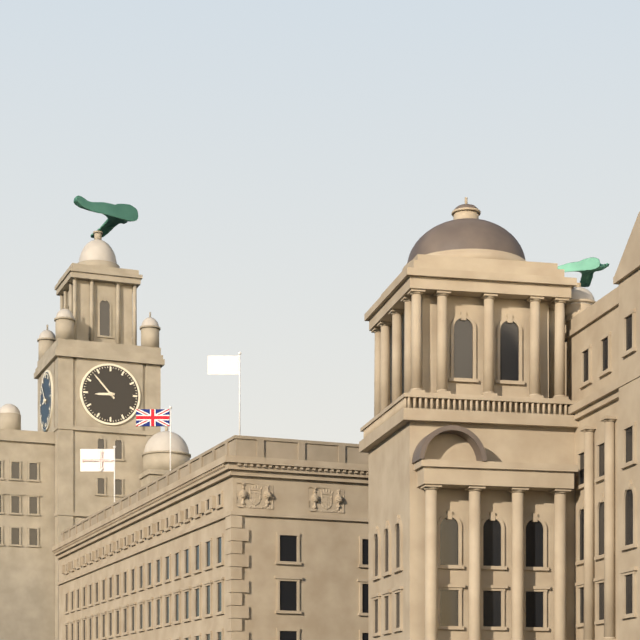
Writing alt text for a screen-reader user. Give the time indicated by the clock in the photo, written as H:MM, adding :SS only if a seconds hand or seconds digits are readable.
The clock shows 8:53
